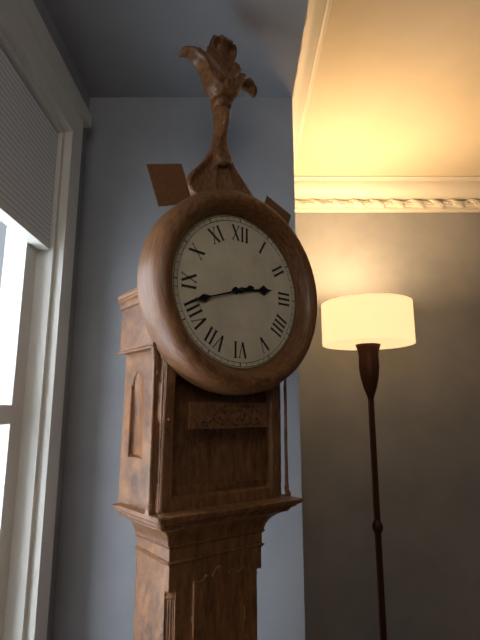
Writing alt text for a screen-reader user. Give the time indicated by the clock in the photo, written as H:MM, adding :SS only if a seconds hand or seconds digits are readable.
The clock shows 2:42
